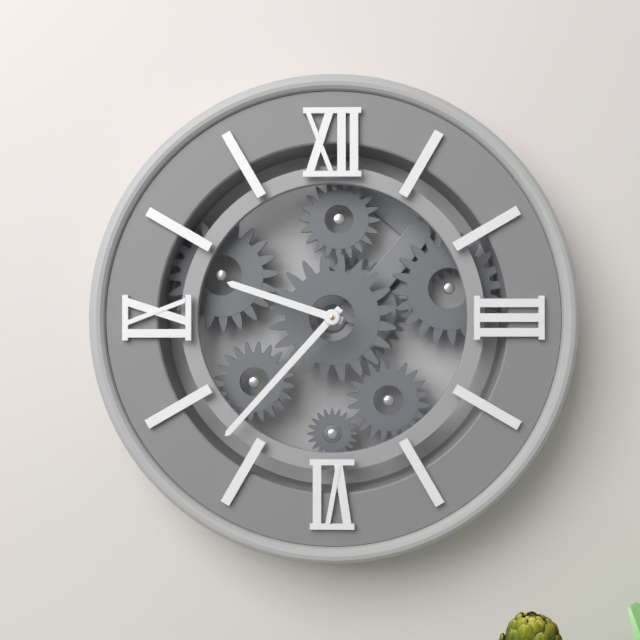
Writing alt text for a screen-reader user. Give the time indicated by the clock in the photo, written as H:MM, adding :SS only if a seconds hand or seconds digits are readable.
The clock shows 9:37
